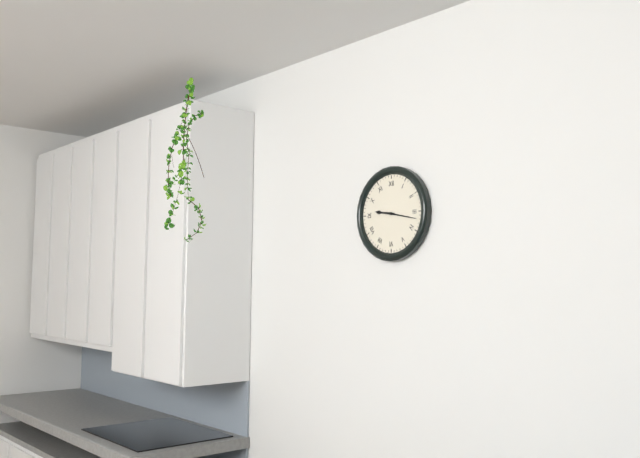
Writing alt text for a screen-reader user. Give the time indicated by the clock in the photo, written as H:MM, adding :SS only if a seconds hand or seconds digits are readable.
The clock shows 9:17
